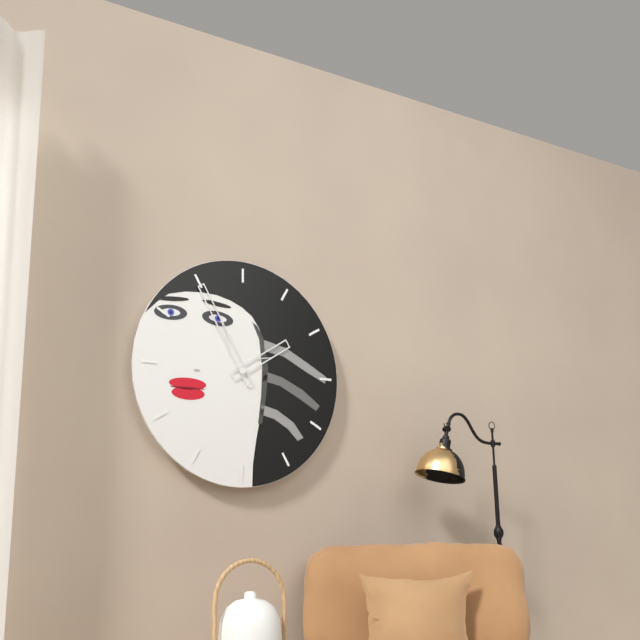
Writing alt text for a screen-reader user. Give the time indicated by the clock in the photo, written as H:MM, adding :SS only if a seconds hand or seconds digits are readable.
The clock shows 1:55
